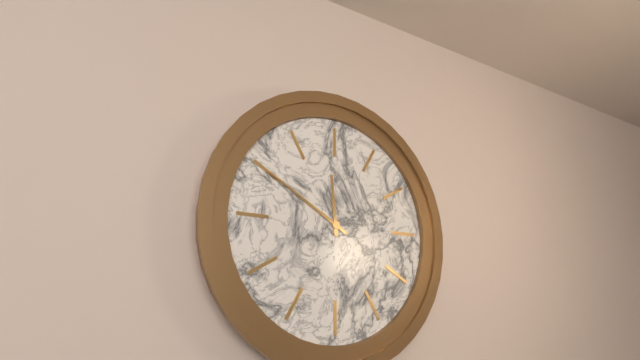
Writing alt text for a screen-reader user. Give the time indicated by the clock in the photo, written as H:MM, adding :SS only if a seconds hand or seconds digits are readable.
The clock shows 11:50
